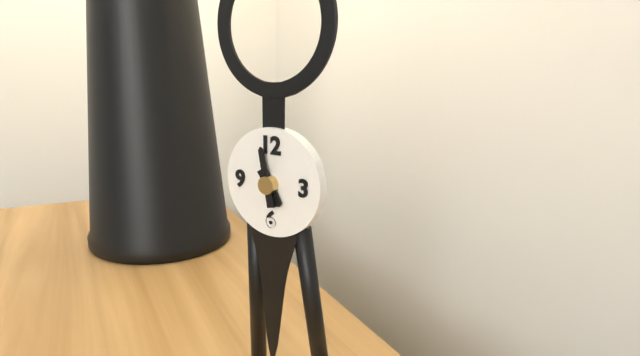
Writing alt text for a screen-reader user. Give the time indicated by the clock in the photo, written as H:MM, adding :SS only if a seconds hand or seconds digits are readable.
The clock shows 4:58
